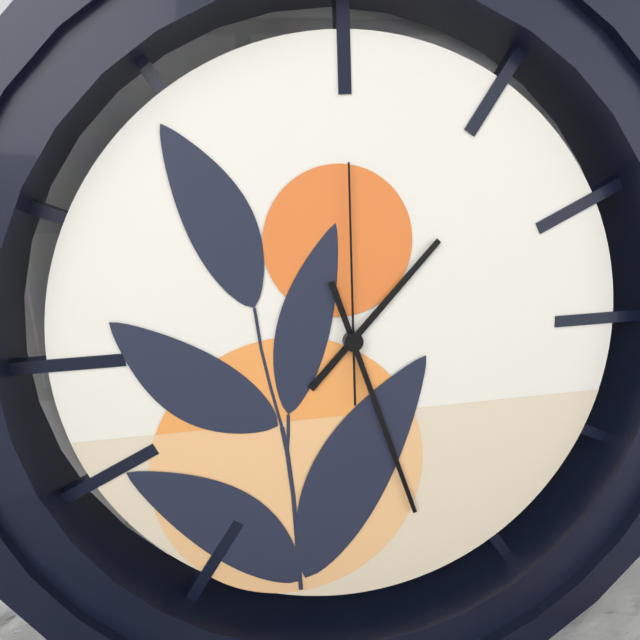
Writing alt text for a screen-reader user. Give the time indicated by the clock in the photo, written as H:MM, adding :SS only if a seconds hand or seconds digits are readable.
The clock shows 1:27:00
